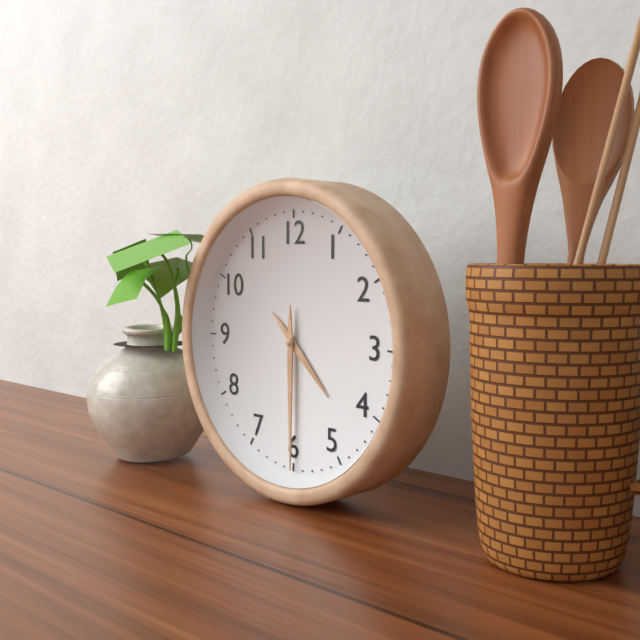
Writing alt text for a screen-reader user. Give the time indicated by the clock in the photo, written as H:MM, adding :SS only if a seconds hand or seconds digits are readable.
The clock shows 4:30
